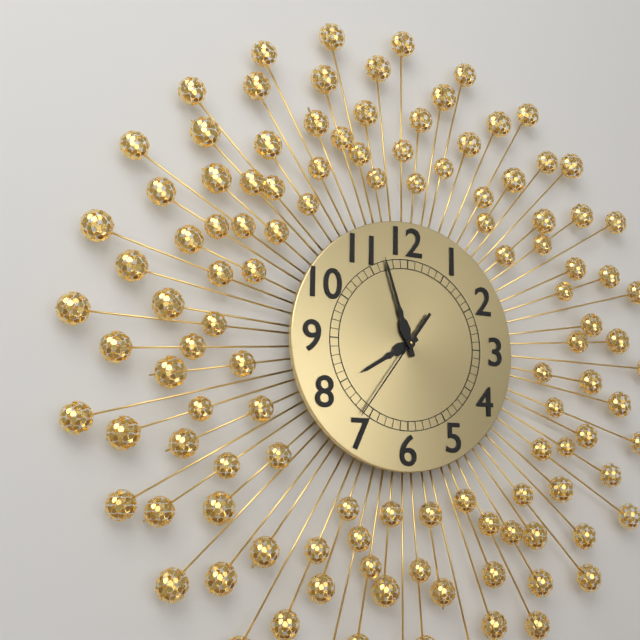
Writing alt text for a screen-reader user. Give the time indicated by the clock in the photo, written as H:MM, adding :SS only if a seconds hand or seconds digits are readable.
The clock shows 7:57:36
